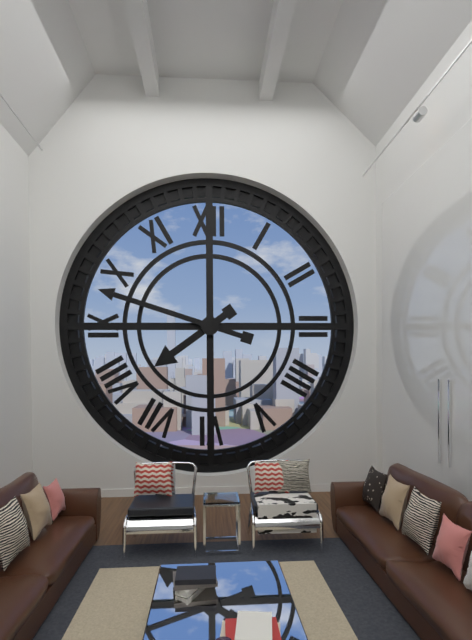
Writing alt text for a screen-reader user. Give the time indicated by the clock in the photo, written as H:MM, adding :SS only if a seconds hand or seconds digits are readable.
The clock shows 7:48
